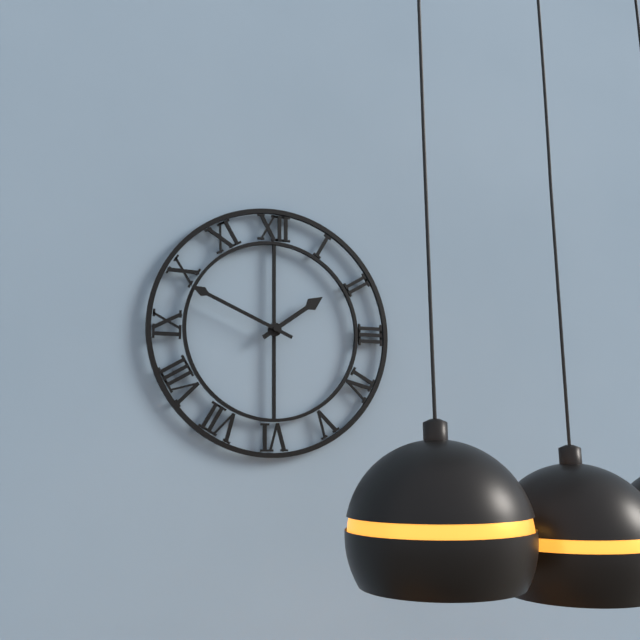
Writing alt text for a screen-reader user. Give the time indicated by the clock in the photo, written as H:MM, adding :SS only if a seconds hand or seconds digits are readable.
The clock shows 1:49
